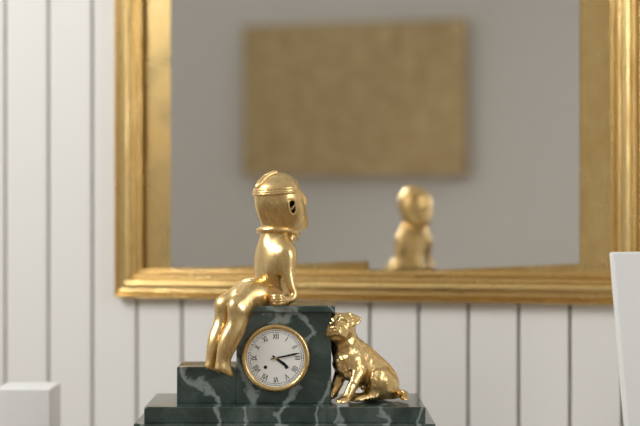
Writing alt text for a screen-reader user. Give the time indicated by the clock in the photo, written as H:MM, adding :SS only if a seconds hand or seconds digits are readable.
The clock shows 4:13
